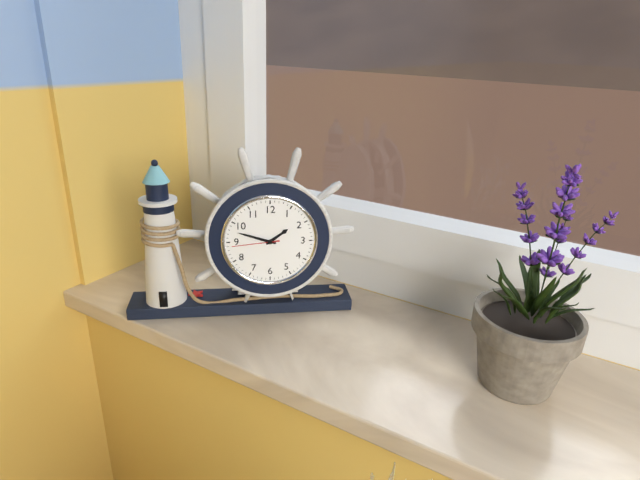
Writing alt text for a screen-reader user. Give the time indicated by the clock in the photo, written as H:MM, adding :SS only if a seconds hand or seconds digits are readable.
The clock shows 1:48
